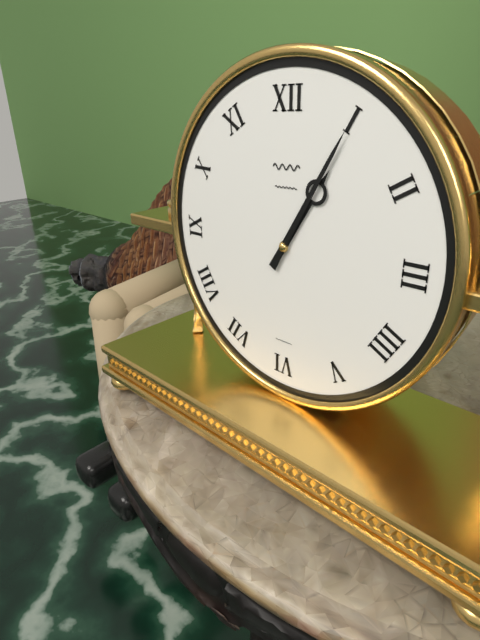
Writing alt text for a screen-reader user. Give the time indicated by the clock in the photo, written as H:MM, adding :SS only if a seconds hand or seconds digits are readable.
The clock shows 1:05
